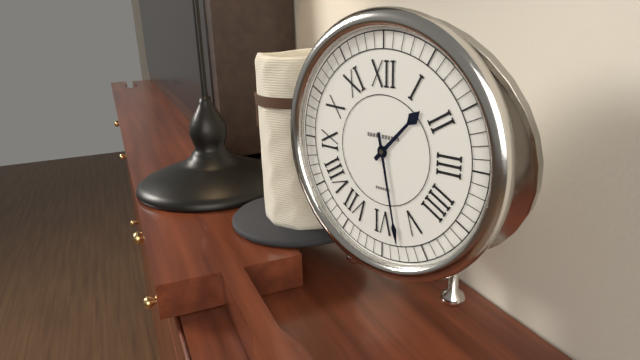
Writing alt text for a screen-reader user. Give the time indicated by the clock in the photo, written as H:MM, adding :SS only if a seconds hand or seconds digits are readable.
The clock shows 1:28
